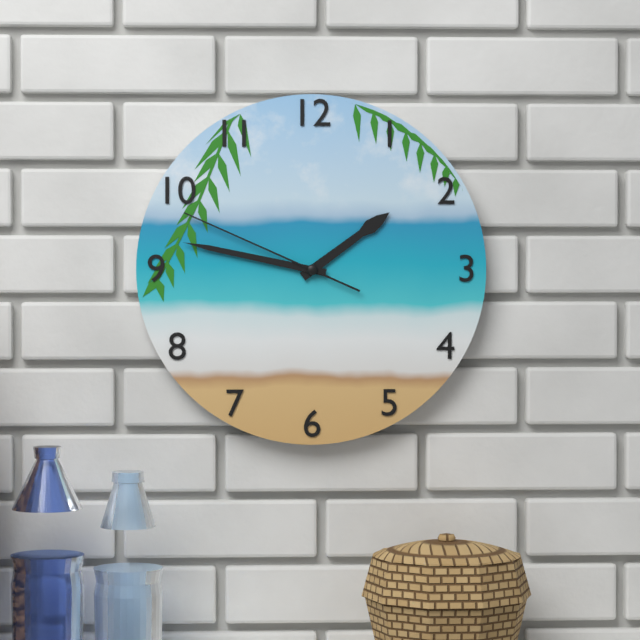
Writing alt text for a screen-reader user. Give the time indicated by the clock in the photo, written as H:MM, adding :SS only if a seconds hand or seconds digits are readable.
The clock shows 1:47:49
